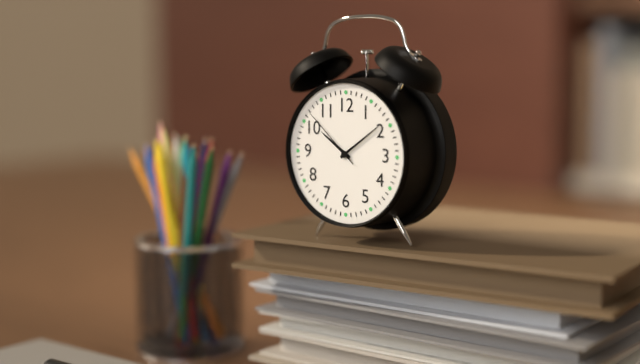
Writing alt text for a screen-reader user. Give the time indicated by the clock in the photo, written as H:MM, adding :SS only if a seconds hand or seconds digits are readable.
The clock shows 10:09:52
